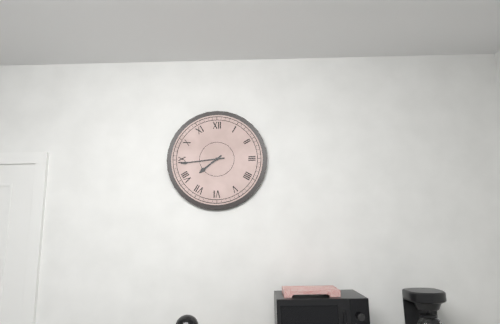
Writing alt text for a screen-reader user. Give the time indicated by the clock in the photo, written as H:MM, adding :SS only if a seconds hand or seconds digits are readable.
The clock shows 7:44
